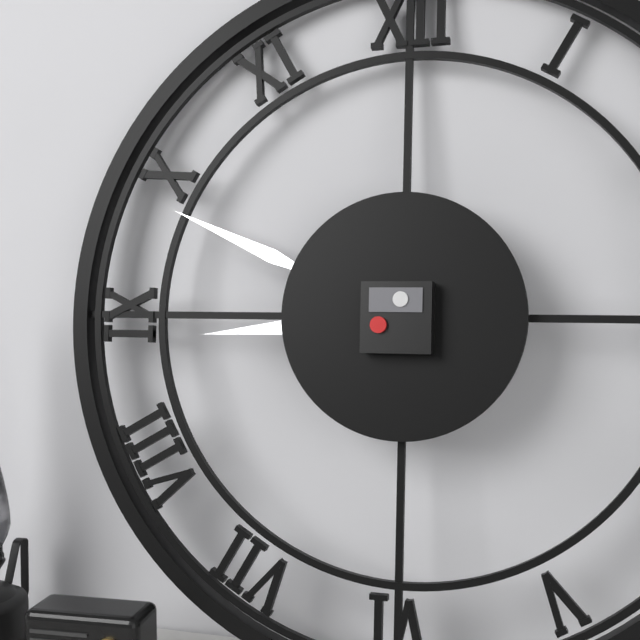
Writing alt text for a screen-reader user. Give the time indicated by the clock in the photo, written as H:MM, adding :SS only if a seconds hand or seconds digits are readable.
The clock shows 8:49
